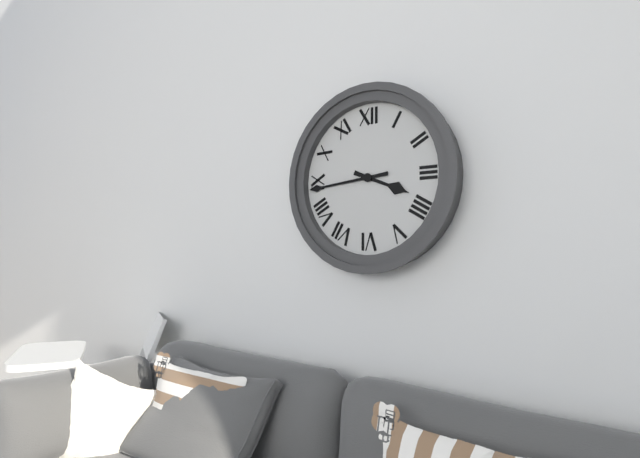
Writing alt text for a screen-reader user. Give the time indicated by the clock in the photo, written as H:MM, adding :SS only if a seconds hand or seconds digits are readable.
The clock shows 3:44
